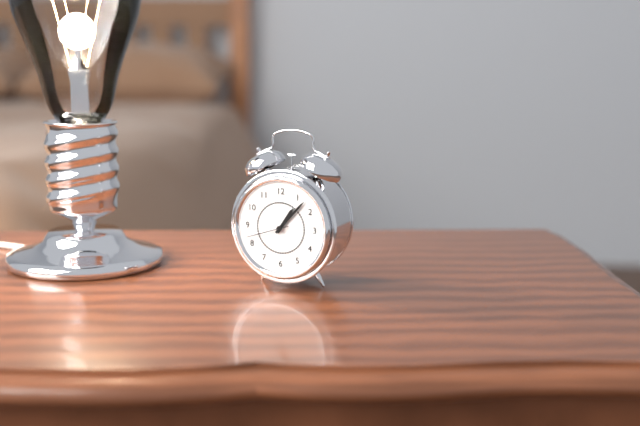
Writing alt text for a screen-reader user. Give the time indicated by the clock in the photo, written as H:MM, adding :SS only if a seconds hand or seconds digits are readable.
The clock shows 1:07
